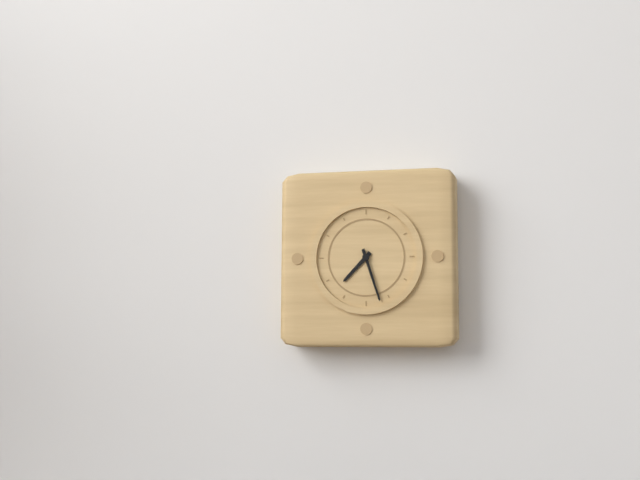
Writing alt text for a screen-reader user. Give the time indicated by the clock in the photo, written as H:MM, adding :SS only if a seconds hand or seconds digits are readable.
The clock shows 7:27
